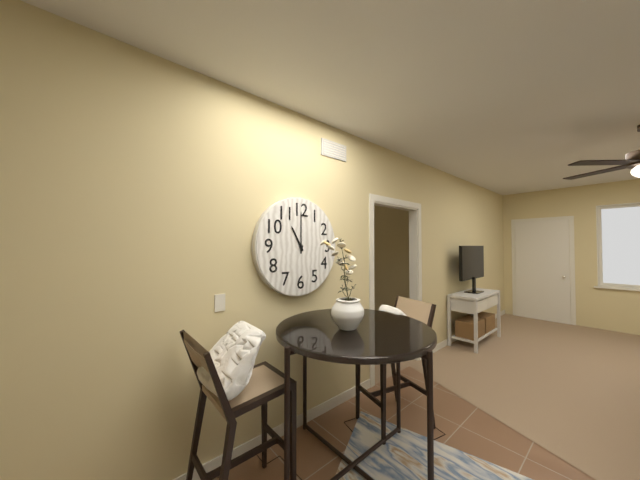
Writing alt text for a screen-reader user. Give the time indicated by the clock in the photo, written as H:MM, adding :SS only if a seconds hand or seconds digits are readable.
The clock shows 11:00
